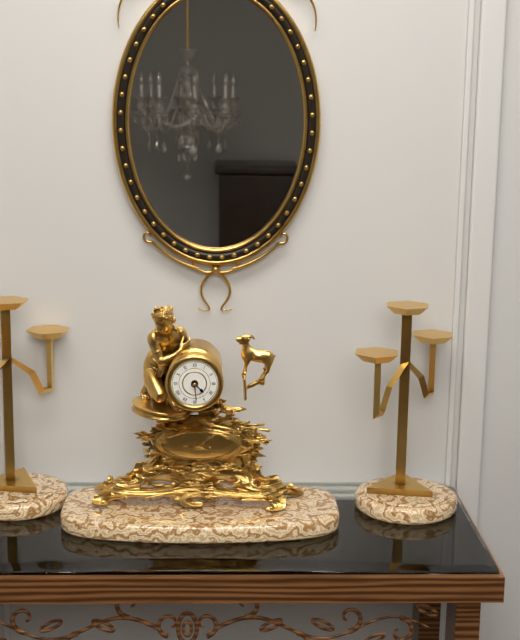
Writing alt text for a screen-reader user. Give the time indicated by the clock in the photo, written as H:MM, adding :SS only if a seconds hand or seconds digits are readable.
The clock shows 4:29
